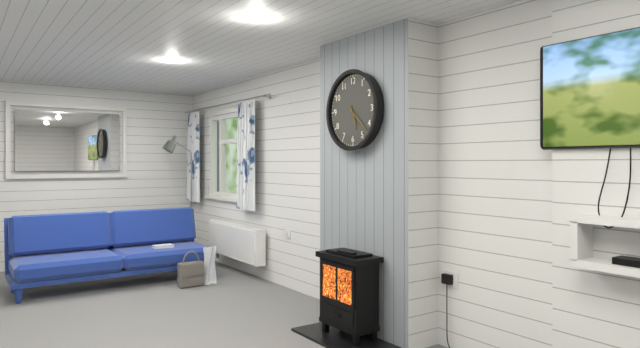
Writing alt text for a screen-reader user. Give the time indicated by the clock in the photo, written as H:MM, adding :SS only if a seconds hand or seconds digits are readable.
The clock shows 5:22
